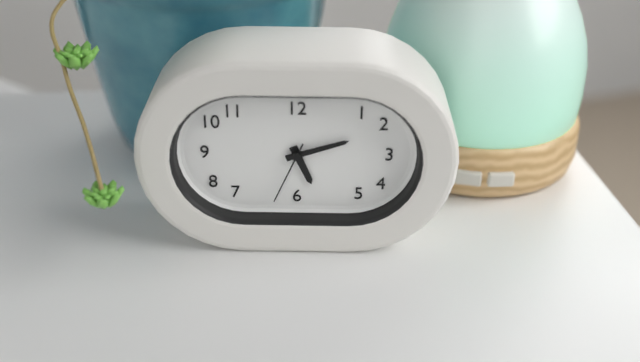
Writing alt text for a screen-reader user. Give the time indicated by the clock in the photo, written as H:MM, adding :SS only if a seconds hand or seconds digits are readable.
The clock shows 5:12:34
